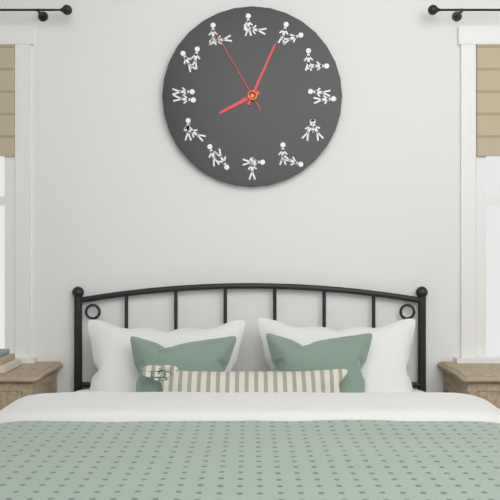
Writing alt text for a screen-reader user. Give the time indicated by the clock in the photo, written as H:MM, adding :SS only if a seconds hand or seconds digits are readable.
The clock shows 8:04:55
